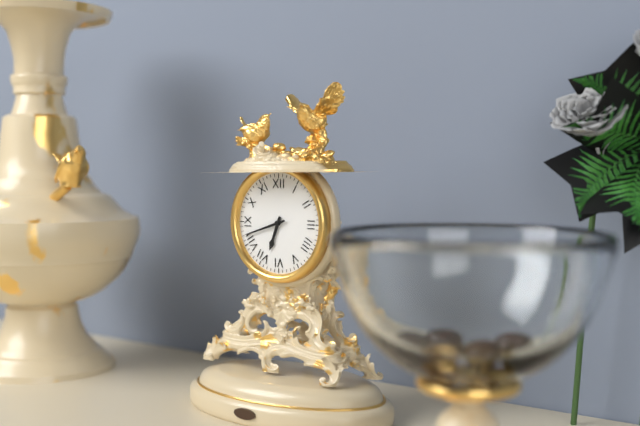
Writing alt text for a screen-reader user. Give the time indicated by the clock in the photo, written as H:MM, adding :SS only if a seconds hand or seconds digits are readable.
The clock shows 6:42
